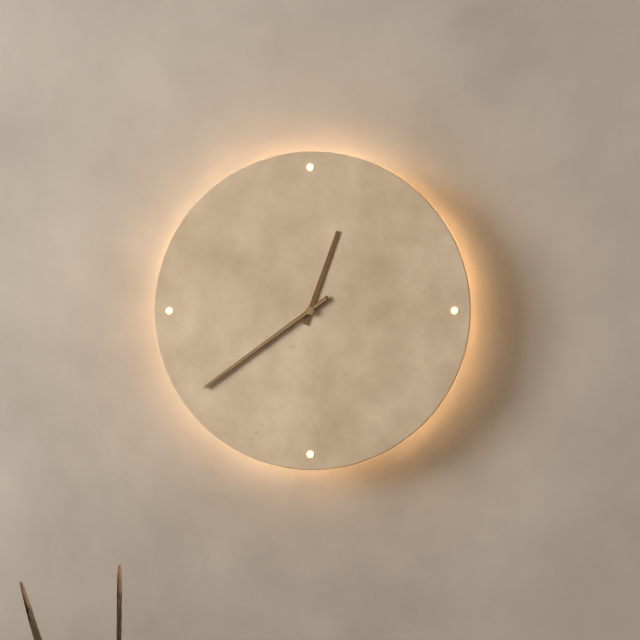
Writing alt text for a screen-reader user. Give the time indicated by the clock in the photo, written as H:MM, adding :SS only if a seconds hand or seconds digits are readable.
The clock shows 12:39:39
